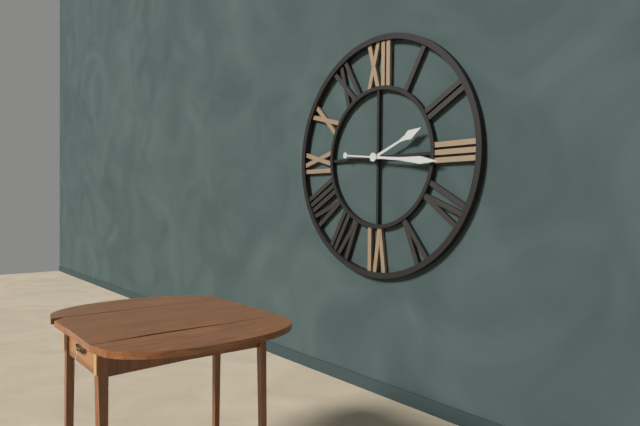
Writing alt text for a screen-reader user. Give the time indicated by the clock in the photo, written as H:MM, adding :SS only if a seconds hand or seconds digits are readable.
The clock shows 2:16
